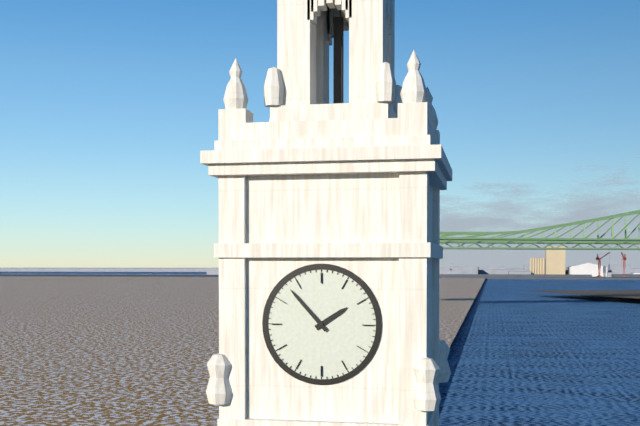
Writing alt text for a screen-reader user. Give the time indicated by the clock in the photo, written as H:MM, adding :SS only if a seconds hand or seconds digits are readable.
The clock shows 1:53
